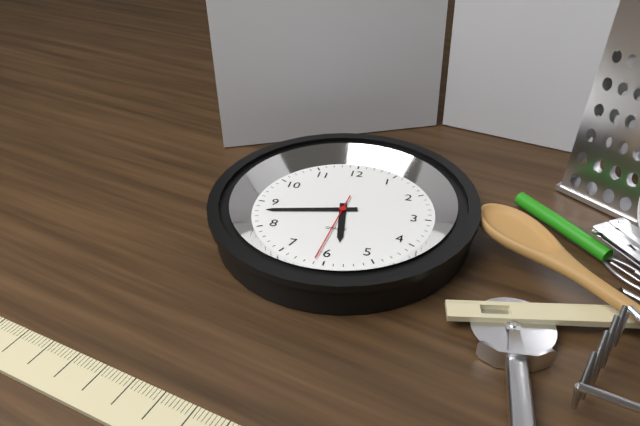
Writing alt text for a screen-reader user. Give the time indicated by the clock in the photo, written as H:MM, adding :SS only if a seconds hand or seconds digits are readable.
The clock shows 5:43:31
